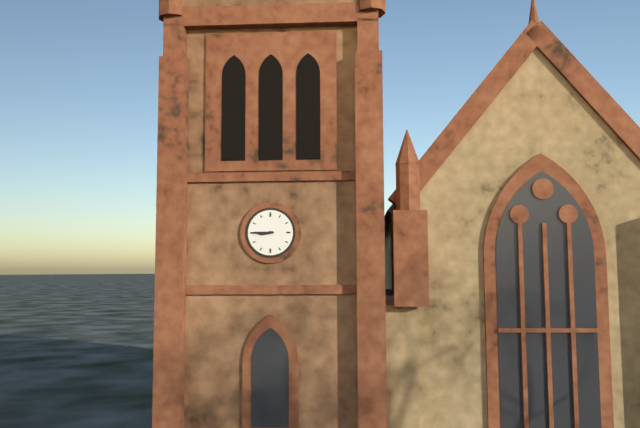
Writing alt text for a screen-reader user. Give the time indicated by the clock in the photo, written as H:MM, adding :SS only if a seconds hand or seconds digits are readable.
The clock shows 8:45
